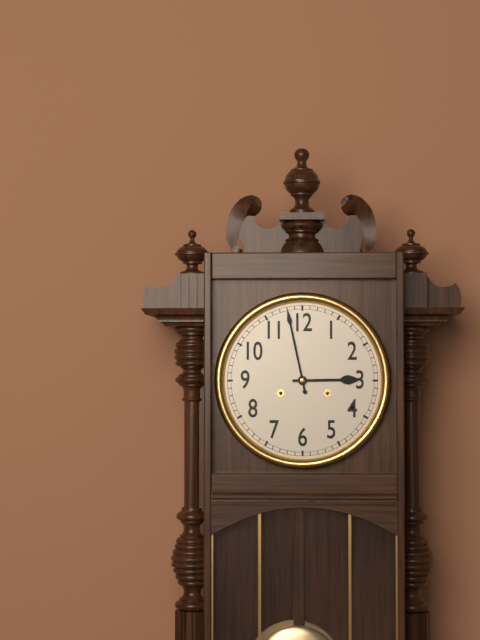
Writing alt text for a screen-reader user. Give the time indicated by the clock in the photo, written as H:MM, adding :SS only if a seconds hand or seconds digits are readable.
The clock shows 2:58
